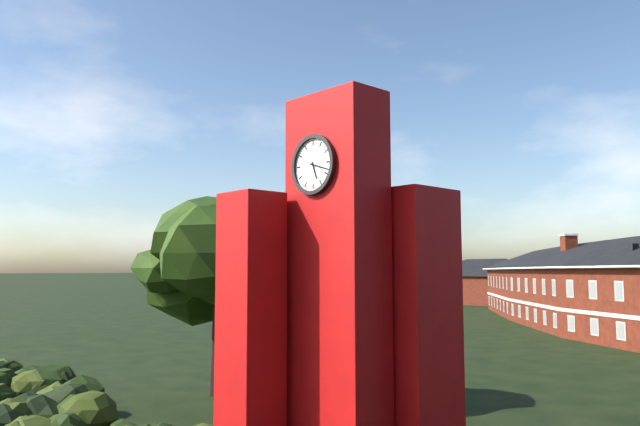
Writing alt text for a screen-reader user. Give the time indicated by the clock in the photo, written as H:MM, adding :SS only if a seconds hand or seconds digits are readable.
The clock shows 5:18
